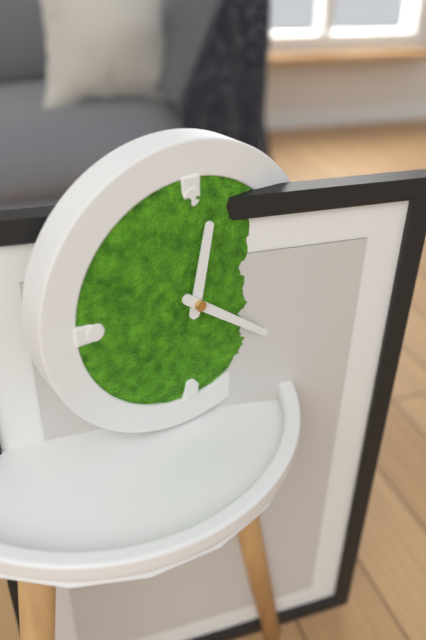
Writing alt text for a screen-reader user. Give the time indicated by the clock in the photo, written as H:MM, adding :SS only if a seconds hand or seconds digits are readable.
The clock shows 12:21
